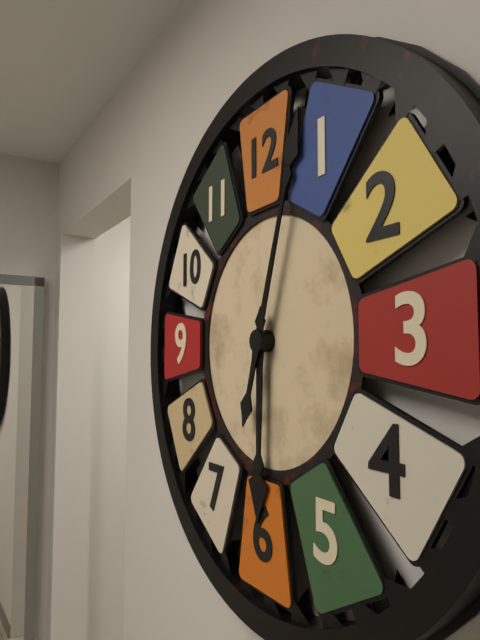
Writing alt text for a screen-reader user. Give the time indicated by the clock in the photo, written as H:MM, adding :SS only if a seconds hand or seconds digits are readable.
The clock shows 6:03
